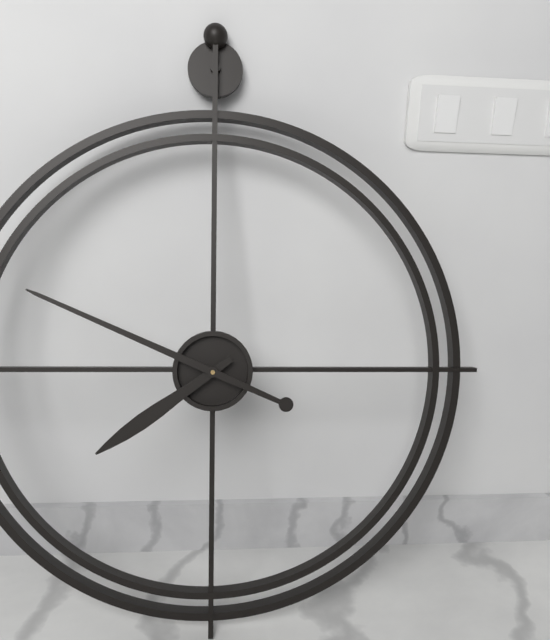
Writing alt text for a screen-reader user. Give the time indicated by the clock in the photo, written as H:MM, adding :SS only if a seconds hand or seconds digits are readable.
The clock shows 7:49
